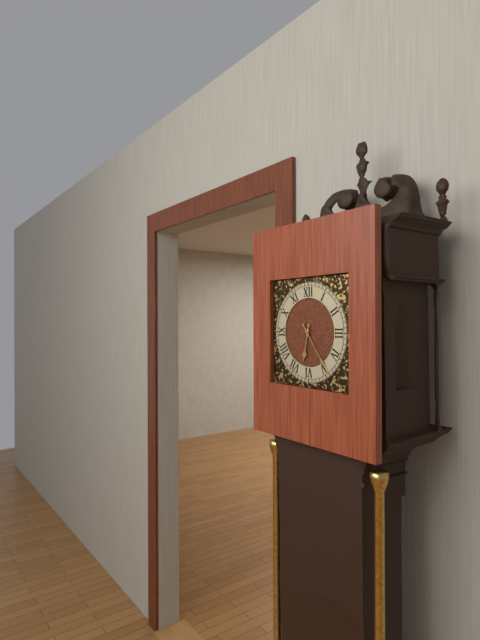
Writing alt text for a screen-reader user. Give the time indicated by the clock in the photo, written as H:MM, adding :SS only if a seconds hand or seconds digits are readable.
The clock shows 6:24
